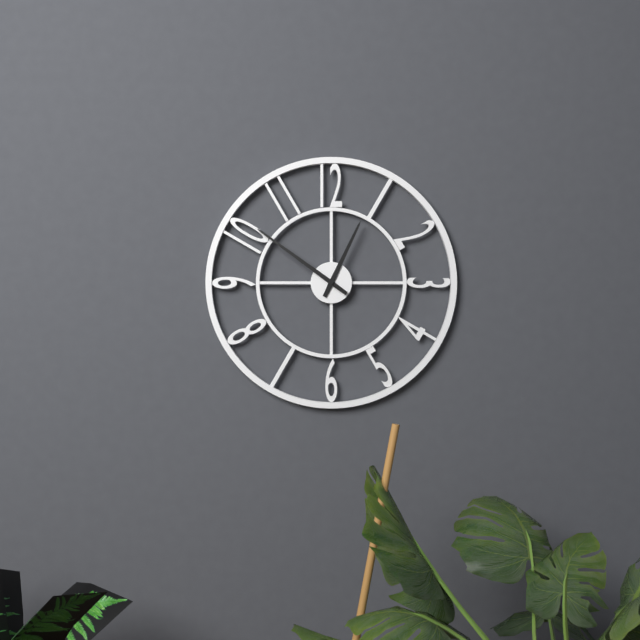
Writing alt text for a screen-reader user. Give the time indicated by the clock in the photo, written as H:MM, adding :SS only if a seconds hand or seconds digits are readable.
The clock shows 12:51
